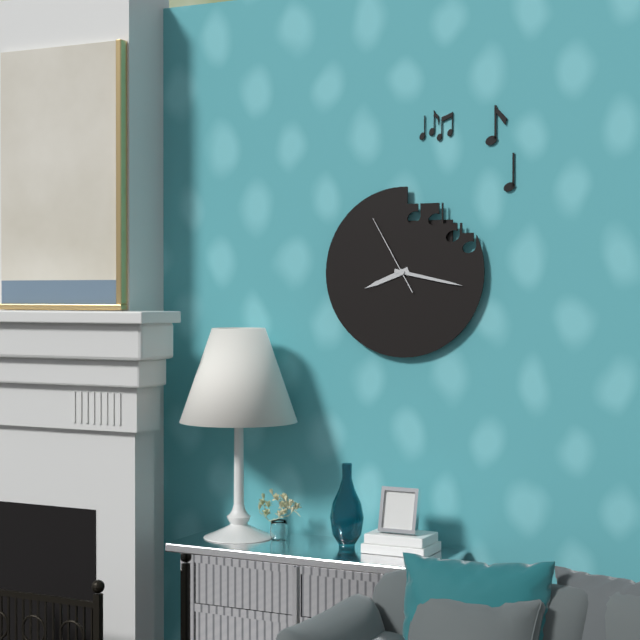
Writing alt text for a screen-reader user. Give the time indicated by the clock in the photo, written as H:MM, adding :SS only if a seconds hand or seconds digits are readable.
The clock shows 8:17:55
